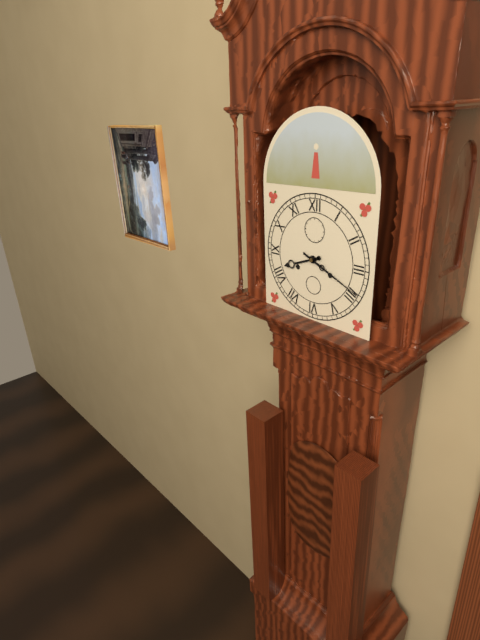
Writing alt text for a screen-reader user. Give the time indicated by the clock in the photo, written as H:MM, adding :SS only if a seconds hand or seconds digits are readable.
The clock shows 8:19
